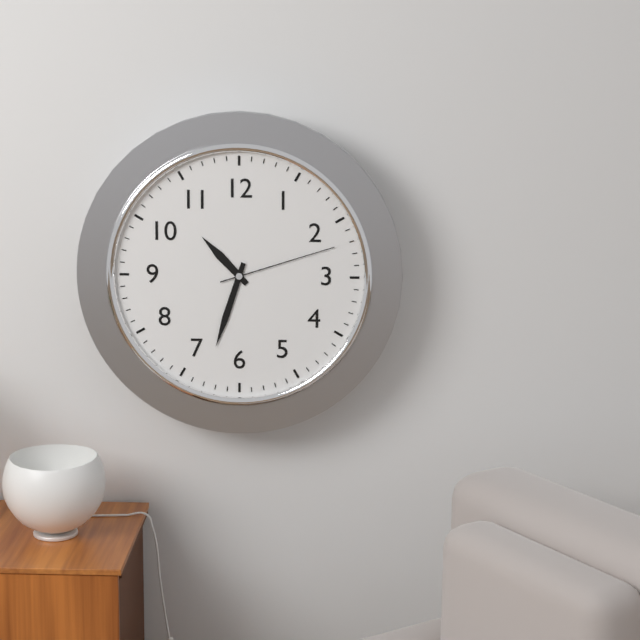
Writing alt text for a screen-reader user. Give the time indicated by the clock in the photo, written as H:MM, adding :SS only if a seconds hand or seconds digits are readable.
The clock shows 10:33:12
